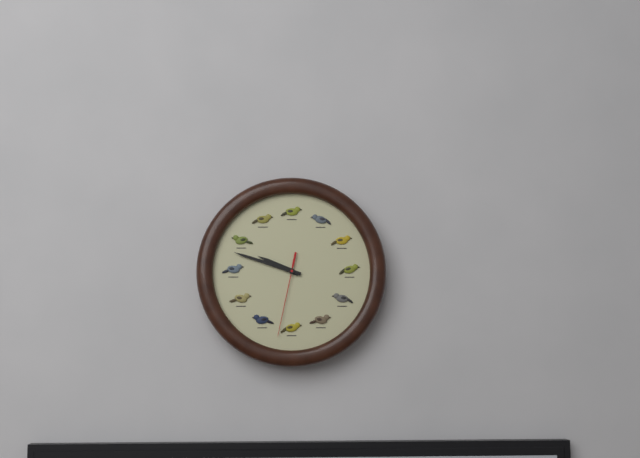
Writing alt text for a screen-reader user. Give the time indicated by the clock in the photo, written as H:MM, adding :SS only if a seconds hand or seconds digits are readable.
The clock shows 9:48:32
